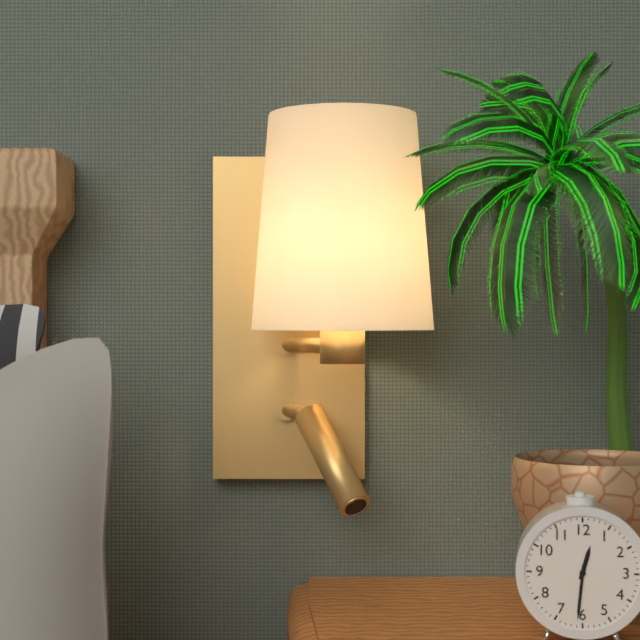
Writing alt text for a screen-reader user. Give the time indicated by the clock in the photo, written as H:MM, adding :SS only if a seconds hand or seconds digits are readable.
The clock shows 12:31
